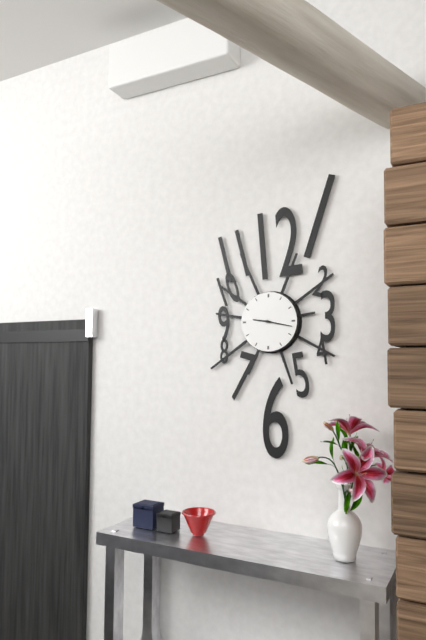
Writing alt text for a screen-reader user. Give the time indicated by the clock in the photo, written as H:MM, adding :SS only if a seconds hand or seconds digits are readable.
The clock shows 9:17
